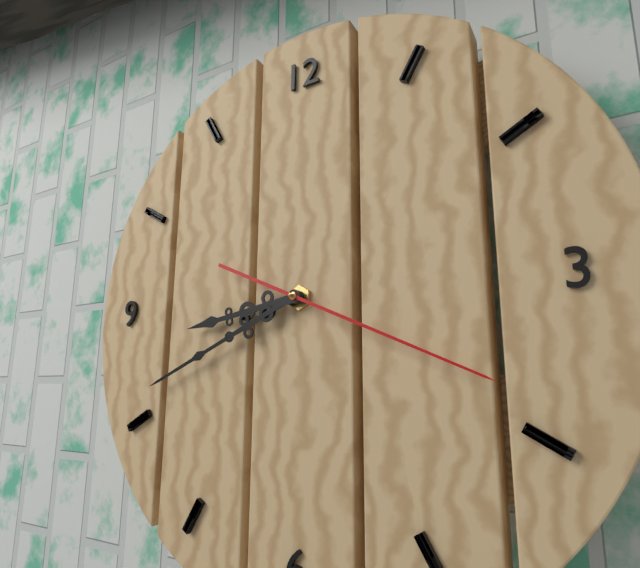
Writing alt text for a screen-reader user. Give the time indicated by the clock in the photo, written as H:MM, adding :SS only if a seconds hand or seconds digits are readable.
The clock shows 8:41:19
